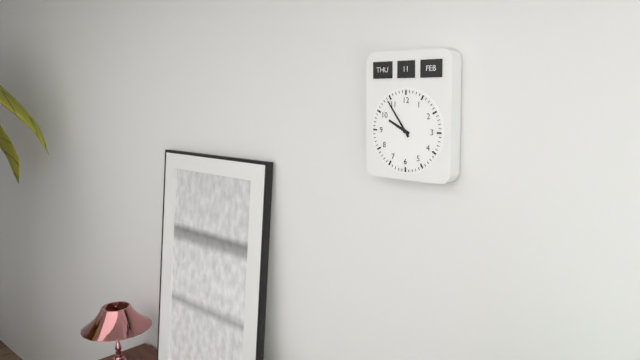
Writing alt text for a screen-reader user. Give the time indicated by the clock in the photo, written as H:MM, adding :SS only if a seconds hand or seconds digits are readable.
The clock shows 9:54
